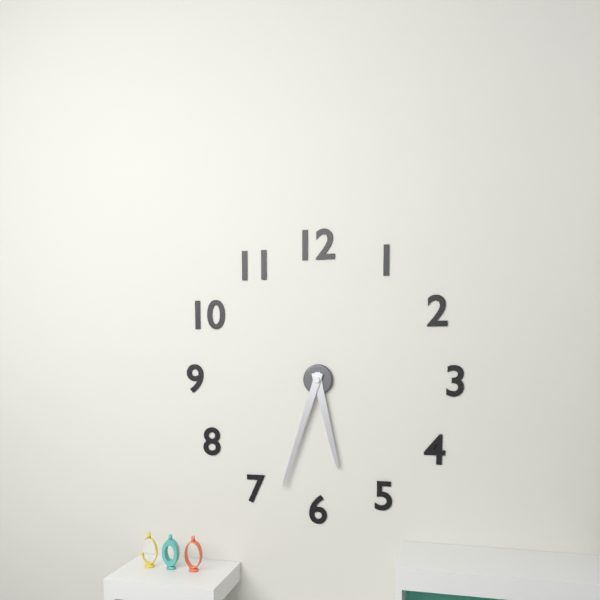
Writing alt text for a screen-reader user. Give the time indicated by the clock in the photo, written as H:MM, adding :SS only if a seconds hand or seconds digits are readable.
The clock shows 5:33
